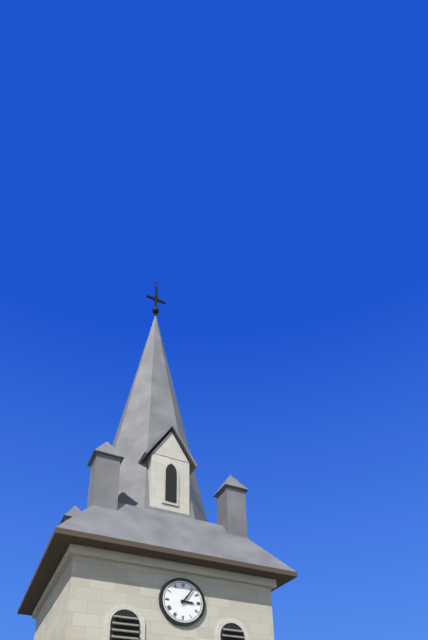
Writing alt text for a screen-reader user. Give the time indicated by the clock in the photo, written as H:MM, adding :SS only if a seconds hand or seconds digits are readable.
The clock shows 3:06
